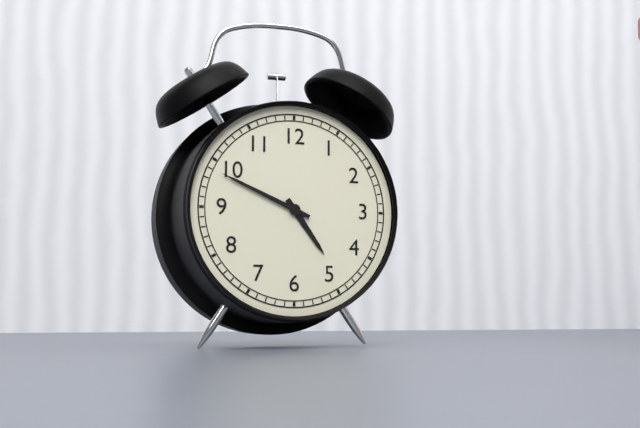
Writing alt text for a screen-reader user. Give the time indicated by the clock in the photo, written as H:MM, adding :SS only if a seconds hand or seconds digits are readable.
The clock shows 4:49
